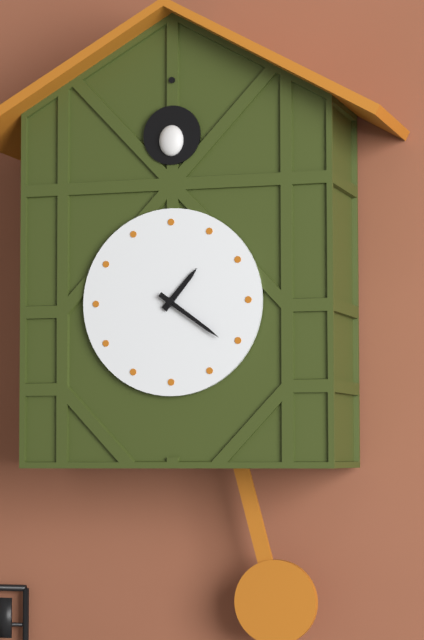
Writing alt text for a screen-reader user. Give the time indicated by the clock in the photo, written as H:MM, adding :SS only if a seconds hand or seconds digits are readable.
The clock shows 1:21
